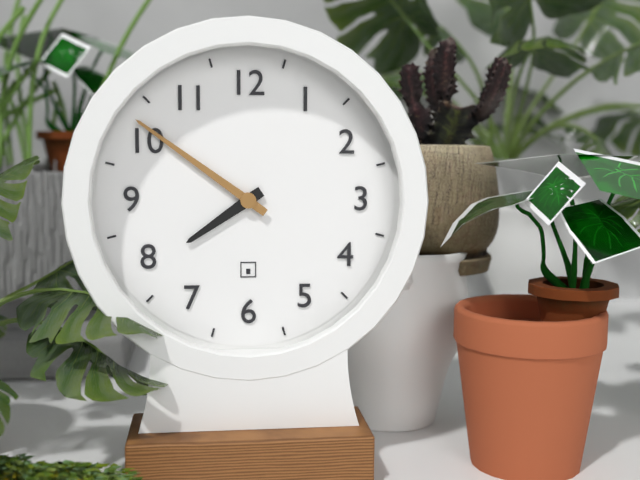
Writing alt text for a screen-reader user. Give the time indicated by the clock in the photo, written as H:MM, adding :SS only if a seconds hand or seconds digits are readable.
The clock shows 7:51
